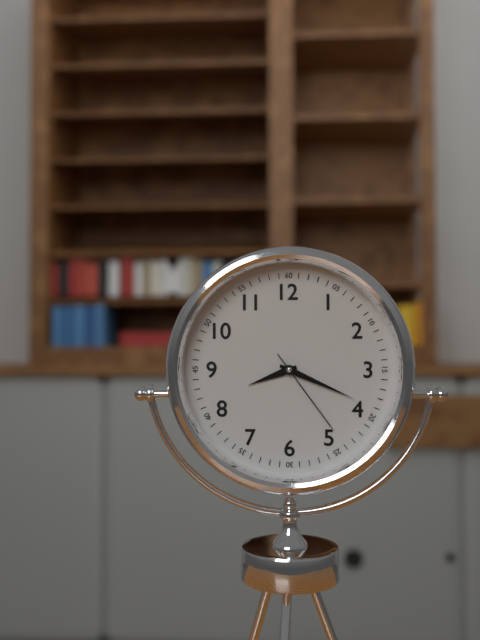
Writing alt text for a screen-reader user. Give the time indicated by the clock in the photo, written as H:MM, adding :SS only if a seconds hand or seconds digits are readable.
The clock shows 8:19:24
